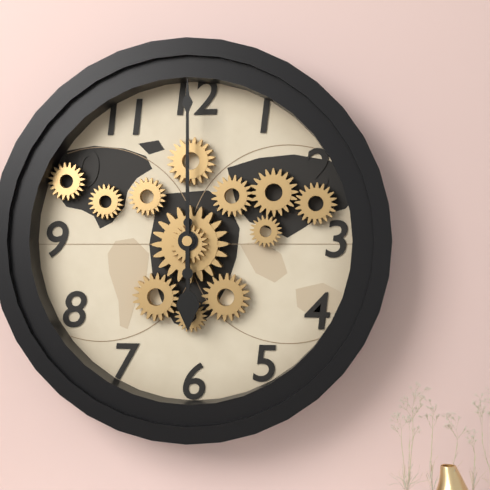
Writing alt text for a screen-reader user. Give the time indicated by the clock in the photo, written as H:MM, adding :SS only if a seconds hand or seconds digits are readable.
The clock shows 6:00
